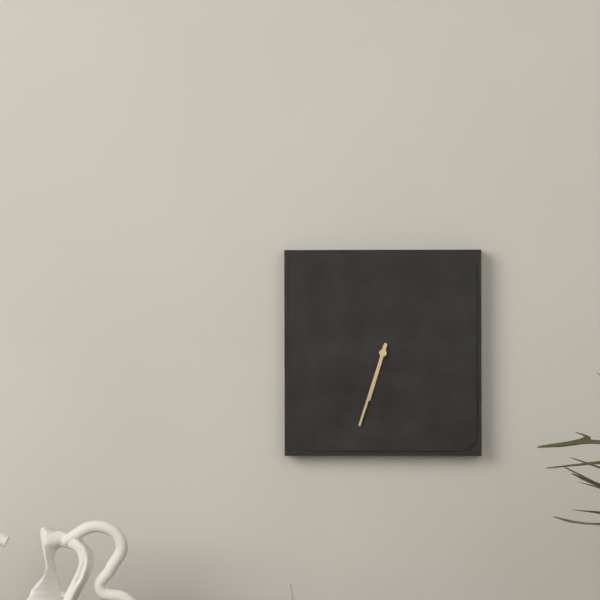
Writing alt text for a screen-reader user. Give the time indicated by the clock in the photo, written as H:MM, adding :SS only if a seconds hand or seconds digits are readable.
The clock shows 6:33
